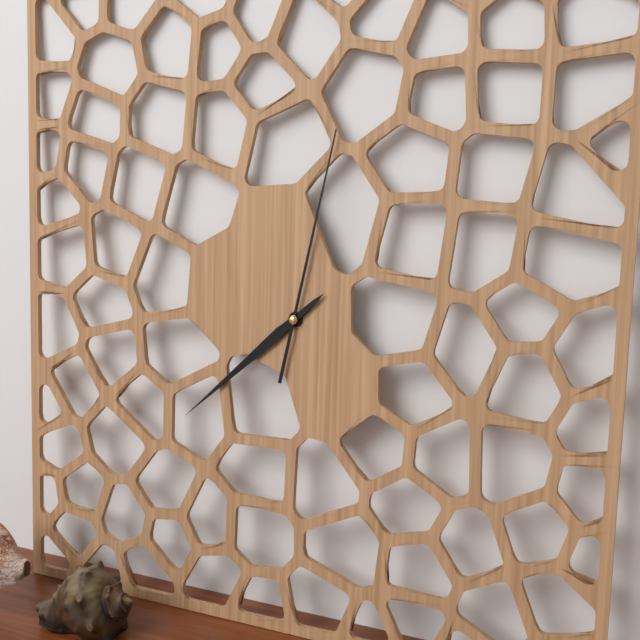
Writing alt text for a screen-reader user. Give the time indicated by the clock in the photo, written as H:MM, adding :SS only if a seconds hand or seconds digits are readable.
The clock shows 7:38:02
